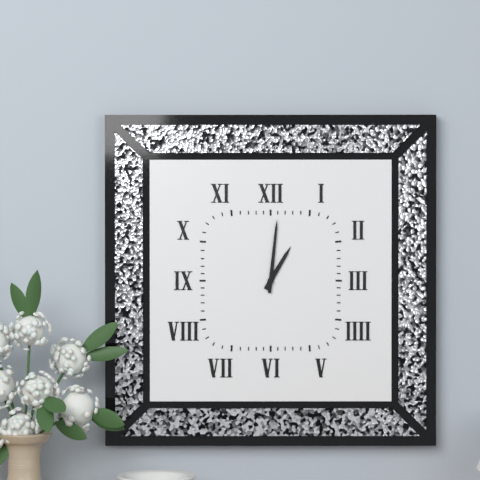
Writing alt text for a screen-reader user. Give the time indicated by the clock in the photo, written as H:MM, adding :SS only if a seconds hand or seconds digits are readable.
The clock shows 1:01
